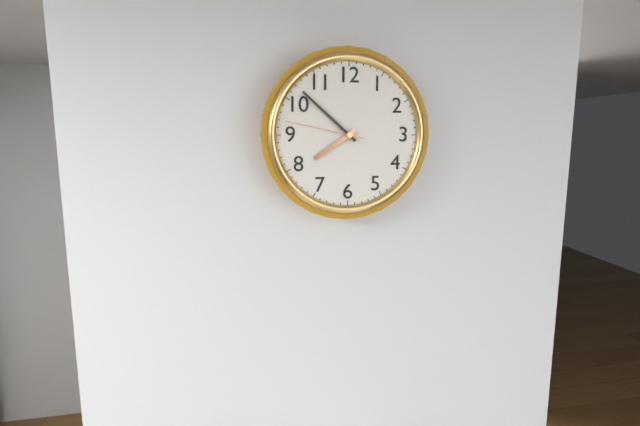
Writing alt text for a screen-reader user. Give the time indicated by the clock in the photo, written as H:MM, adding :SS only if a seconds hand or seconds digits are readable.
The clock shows 7:52:47
